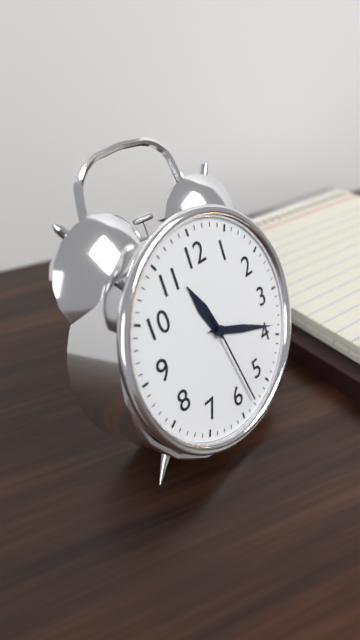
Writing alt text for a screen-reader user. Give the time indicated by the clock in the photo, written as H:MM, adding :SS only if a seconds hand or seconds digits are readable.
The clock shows 11:19:28
